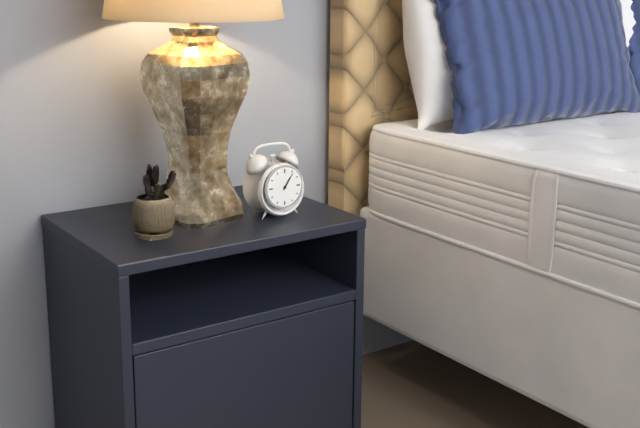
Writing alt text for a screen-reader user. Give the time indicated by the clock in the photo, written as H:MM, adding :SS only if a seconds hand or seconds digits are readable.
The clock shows 1:06
